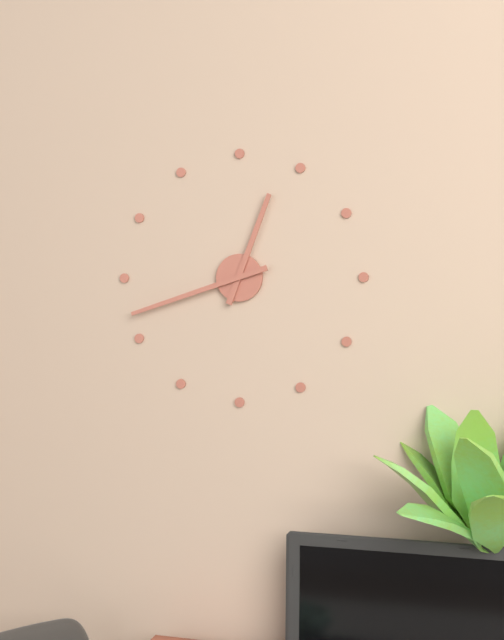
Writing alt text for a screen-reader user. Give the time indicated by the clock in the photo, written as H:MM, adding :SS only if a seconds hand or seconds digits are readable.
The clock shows 12:42
